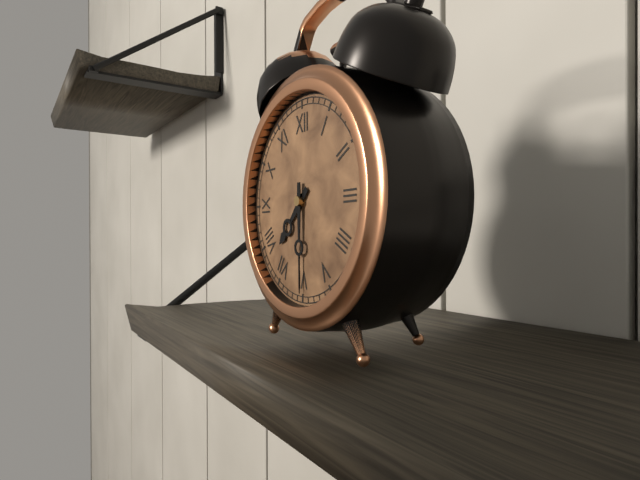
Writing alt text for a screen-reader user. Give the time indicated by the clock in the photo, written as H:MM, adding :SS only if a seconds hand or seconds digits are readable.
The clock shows 7:30
